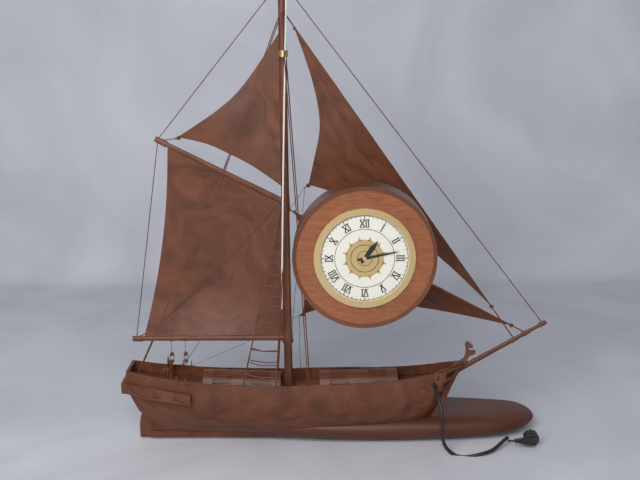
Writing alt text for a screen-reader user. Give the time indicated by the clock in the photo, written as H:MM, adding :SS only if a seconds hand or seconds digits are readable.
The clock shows 1:13
